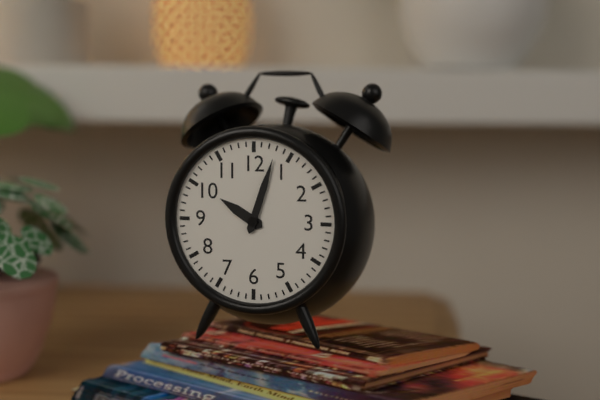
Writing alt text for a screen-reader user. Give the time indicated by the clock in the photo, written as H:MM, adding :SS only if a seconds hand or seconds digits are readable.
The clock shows 10:03
